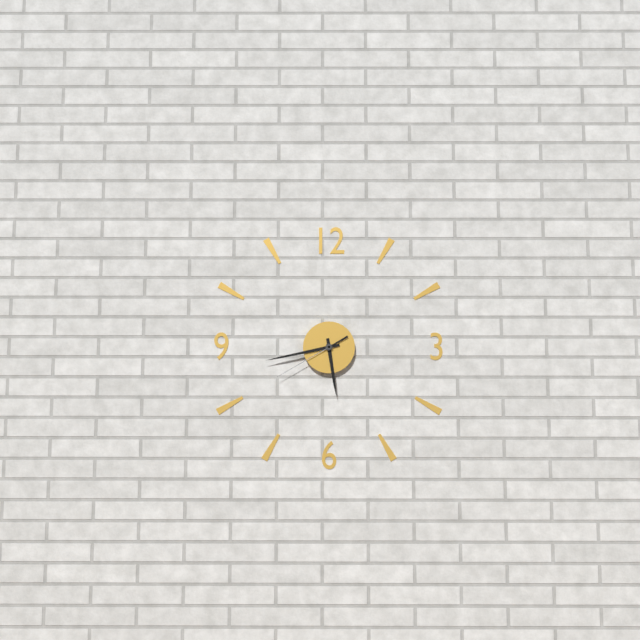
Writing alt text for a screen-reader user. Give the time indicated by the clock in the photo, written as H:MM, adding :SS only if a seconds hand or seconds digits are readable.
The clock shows 5:43:40
